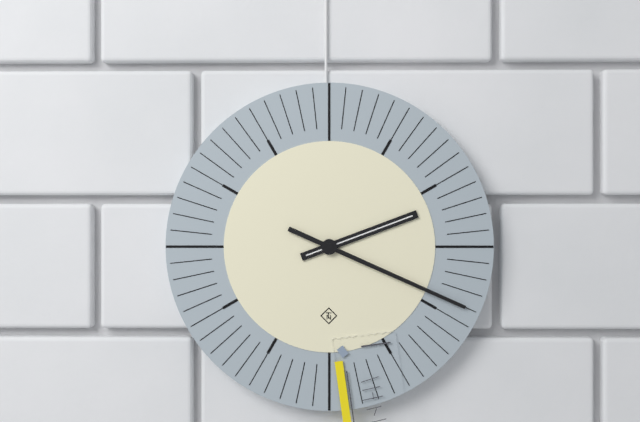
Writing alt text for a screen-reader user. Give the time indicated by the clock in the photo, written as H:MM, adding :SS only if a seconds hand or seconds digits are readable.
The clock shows 2:19
